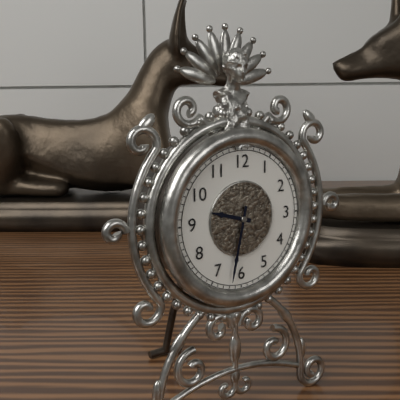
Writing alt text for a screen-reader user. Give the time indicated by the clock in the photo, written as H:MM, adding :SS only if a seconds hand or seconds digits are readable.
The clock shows 9:32
